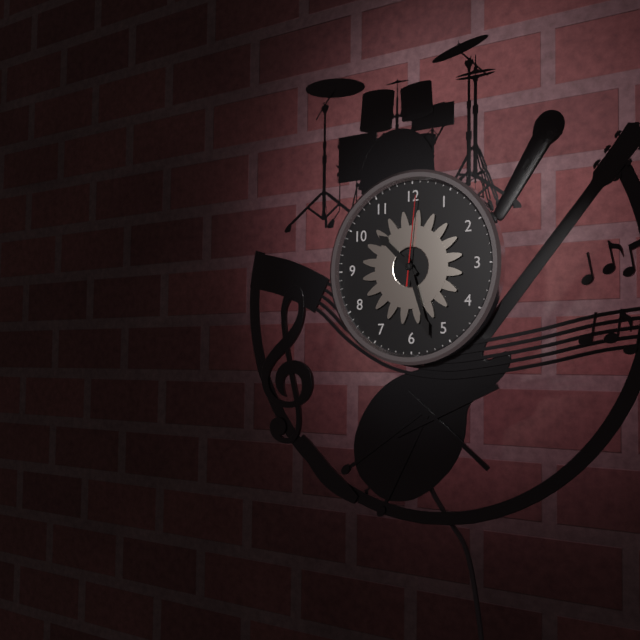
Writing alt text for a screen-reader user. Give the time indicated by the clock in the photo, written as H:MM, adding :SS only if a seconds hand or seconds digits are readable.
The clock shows 10:27:01
